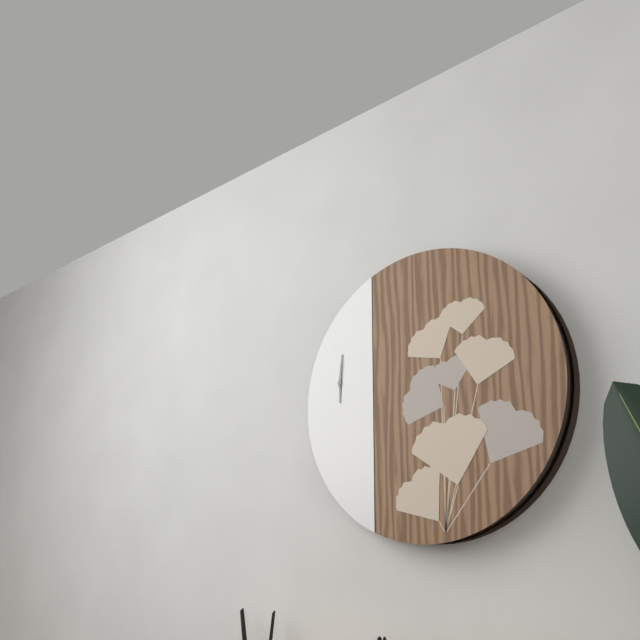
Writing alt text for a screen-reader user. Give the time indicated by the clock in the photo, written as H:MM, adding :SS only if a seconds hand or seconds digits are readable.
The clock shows 6:01
